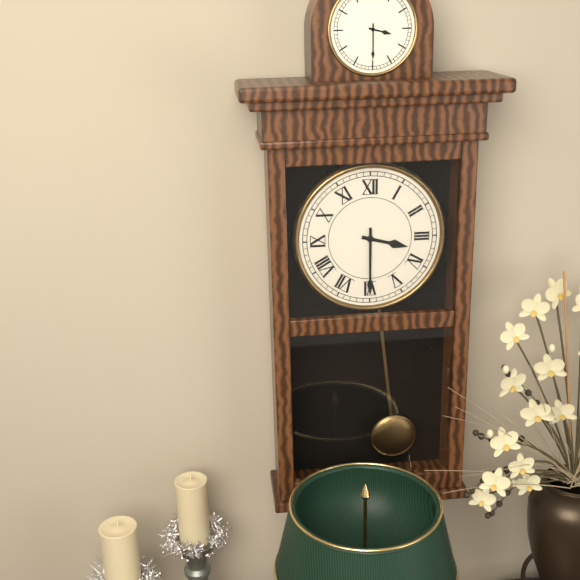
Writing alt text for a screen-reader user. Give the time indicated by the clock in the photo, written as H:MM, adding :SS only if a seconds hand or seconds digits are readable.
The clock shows 3:30
